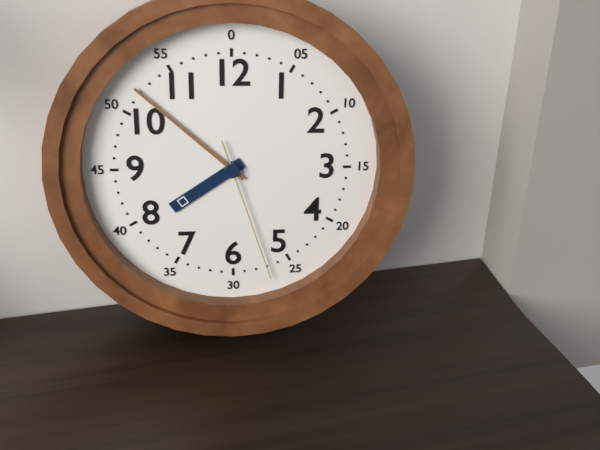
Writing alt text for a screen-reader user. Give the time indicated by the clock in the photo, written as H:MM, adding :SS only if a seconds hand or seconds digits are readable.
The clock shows 7:52:27
